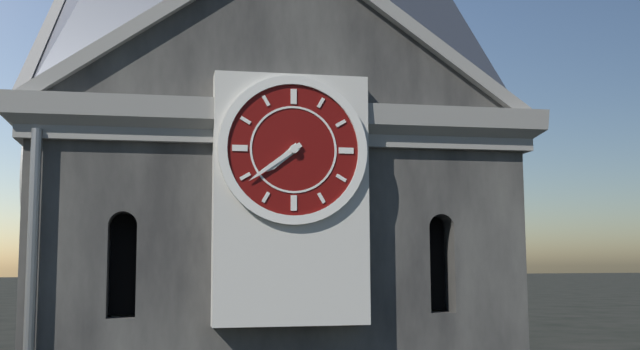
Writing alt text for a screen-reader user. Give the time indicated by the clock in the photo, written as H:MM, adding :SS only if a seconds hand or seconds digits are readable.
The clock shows 7:39
